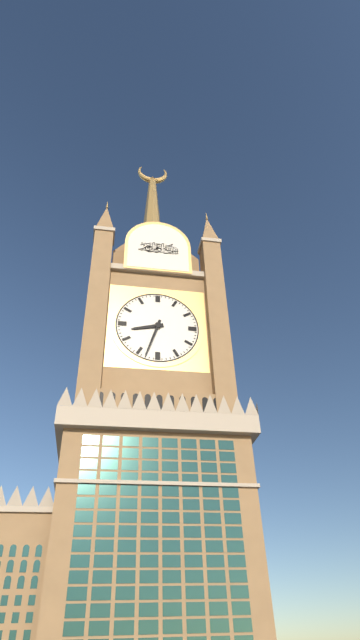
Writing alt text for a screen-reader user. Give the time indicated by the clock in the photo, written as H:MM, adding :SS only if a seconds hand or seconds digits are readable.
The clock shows 8:33
